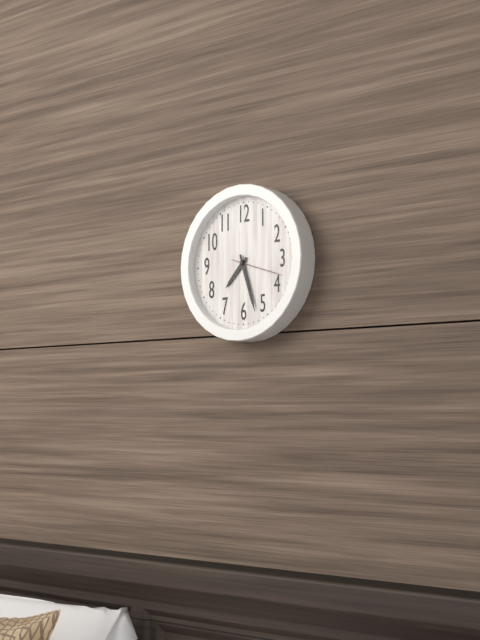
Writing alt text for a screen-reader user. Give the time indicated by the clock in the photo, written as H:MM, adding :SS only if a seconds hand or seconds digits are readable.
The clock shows 7:27:18
